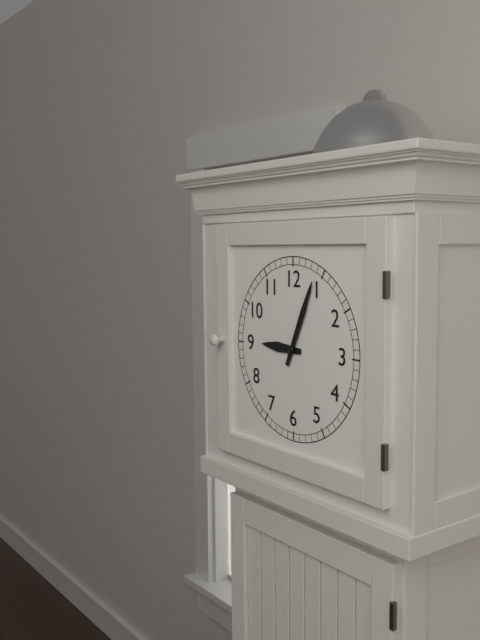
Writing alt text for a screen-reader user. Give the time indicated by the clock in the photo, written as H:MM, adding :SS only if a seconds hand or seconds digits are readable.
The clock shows 9:04
